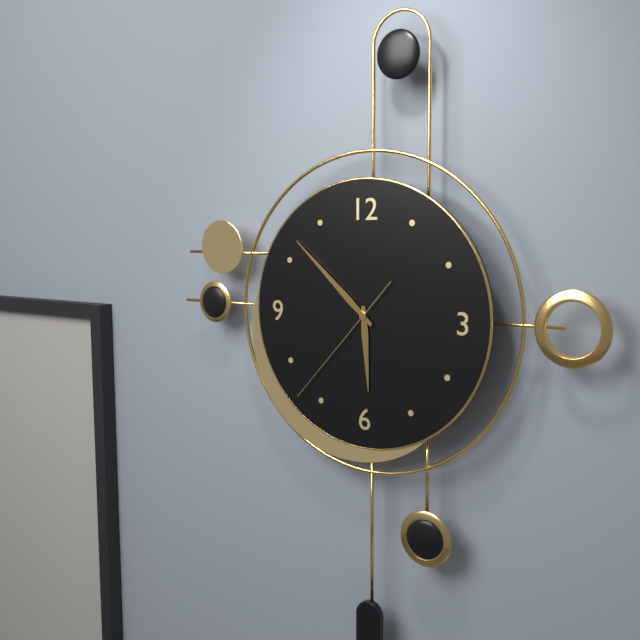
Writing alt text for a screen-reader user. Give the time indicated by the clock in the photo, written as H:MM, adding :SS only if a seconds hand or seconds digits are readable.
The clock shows 5:52:37
